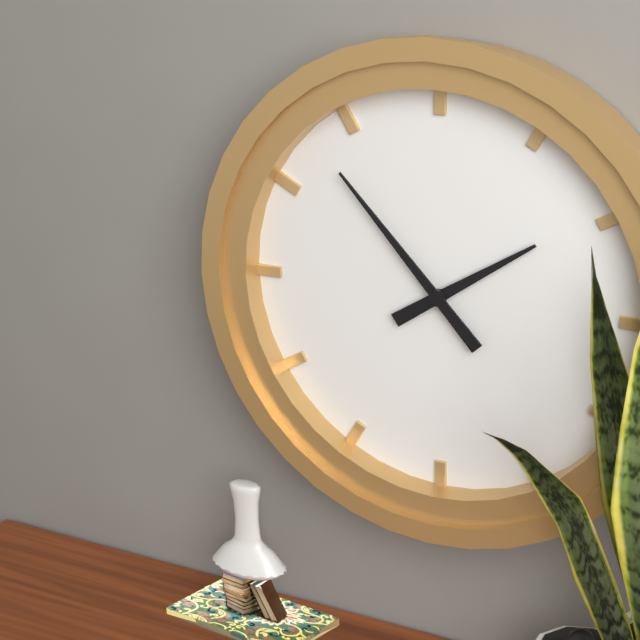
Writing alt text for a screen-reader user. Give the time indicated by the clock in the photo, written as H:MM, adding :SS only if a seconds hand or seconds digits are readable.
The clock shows 1:53
